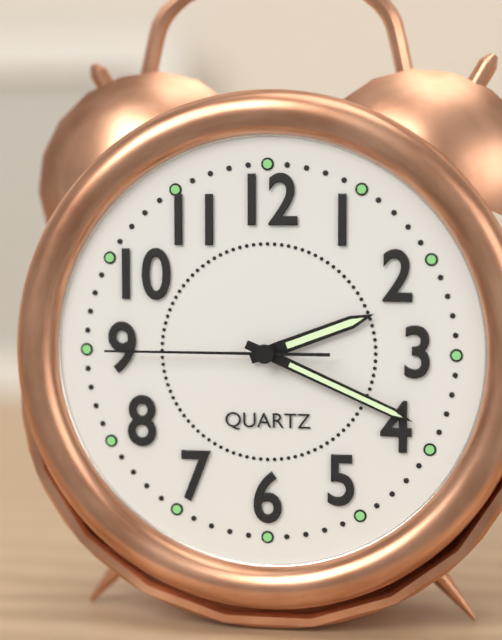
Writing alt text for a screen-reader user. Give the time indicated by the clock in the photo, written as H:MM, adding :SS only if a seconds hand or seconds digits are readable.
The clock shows 2:19:45
